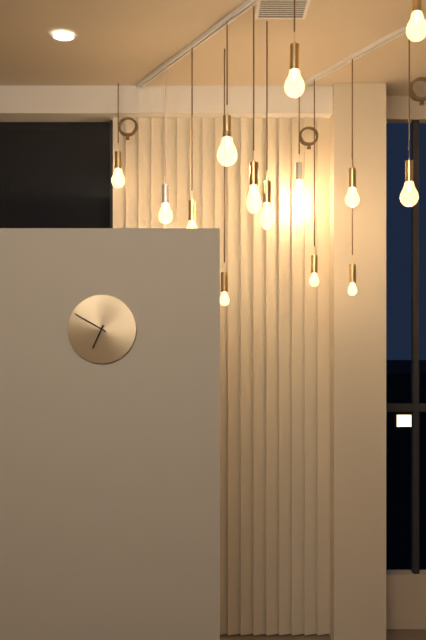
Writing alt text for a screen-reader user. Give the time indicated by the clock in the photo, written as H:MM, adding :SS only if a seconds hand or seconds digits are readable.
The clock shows 6:50
